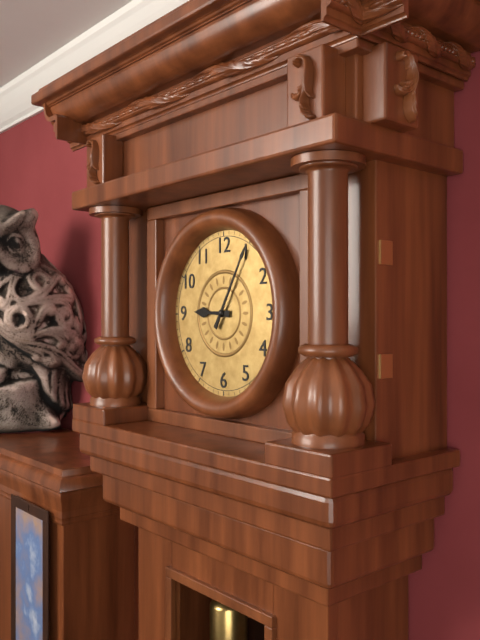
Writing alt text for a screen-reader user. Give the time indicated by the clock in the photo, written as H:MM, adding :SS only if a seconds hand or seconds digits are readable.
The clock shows 9:05
